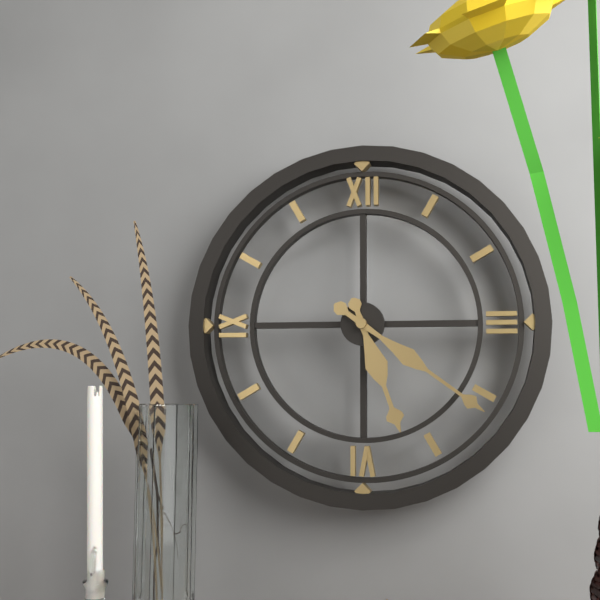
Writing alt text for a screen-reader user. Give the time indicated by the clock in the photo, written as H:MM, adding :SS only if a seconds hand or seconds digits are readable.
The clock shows 5:21
